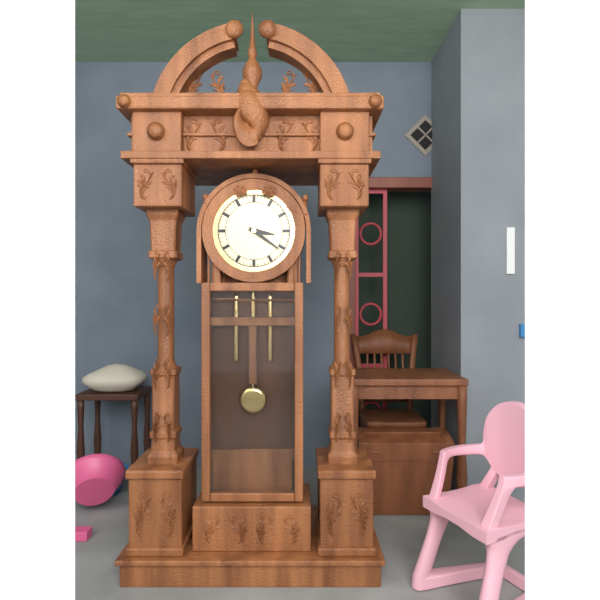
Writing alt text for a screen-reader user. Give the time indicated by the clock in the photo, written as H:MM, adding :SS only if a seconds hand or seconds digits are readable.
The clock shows 3:21
